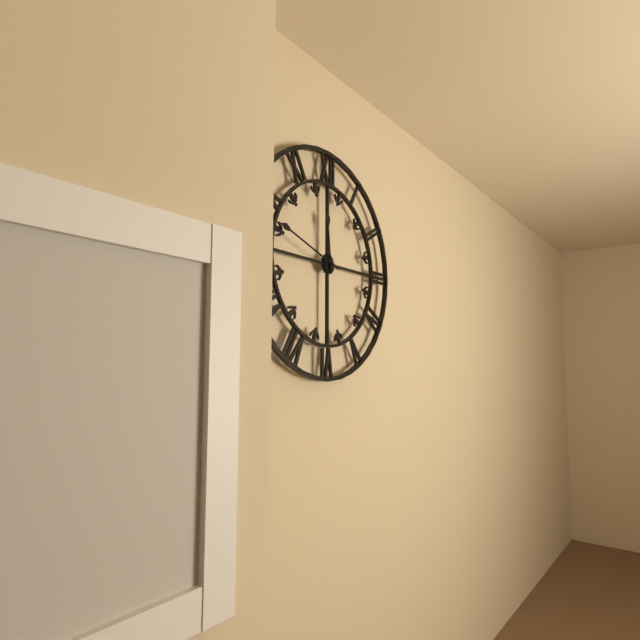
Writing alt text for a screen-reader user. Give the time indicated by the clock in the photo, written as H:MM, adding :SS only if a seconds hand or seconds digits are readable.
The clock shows 11:48
